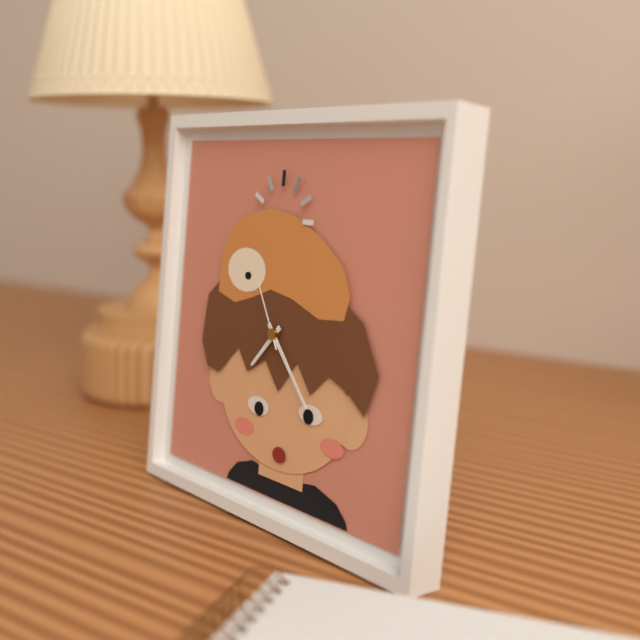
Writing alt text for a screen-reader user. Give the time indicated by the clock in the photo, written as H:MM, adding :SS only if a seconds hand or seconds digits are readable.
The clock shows 7:23:55
